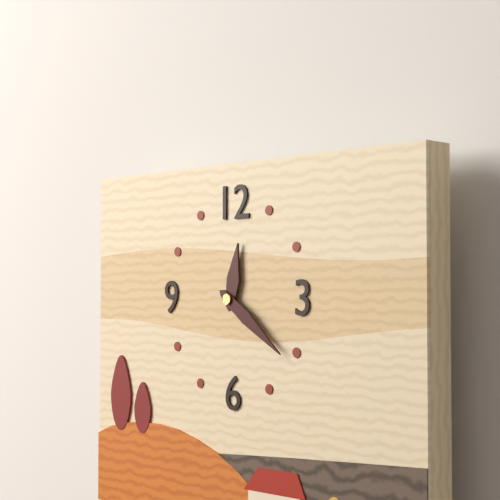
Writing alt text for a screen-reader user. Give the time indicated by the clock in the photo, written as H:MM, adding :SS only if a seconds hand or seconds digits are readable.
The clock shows 12:21
